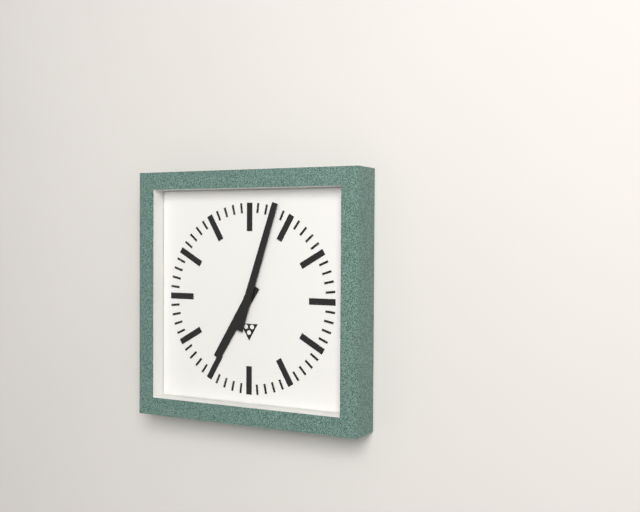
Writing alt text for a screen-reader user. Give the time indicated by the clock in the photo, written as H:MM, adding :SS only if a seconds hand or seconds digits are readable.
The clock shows 7:03
